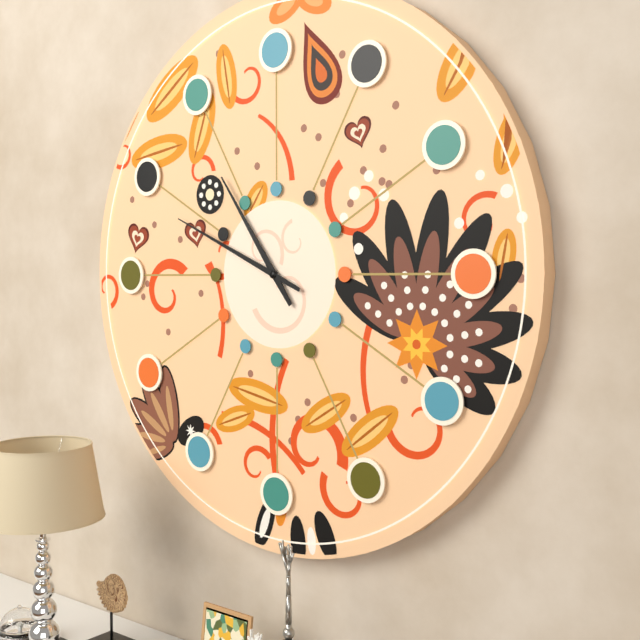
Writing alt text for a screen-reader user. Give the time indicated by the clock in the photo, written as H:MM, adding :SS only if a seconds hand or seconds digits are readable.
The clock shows 10:49
